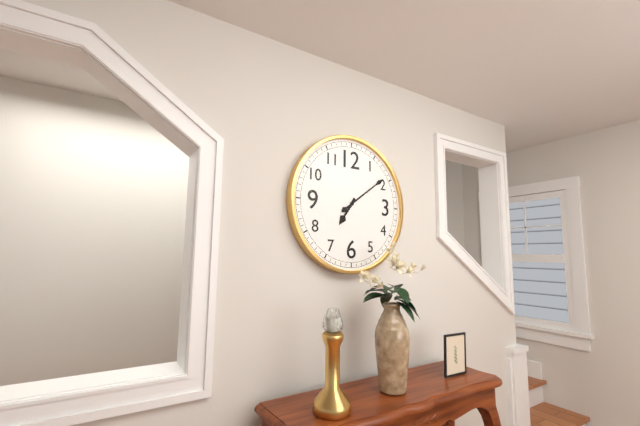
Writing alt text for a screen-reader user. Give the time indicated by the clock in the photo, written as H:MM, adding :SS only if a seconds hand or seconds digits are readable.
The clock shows 7:09
